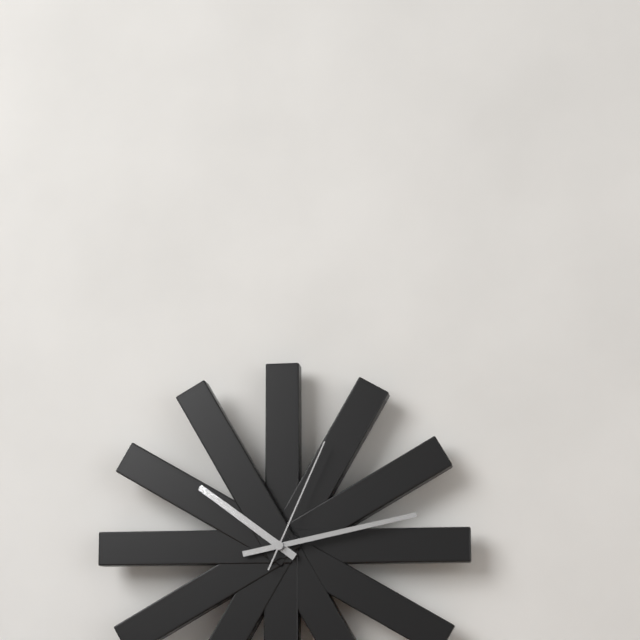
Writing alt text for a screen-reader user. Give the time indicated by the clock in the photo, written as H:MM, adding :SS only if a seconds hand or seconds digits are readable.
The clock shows 10:13:04
